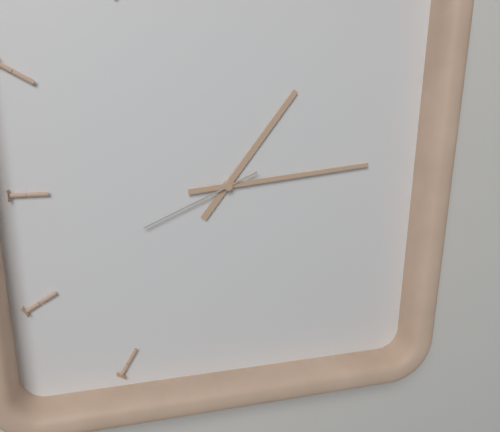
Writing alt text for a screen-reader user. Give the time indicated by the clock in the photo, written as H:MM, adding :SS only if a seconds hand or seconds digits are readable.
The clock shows 1:14:41
